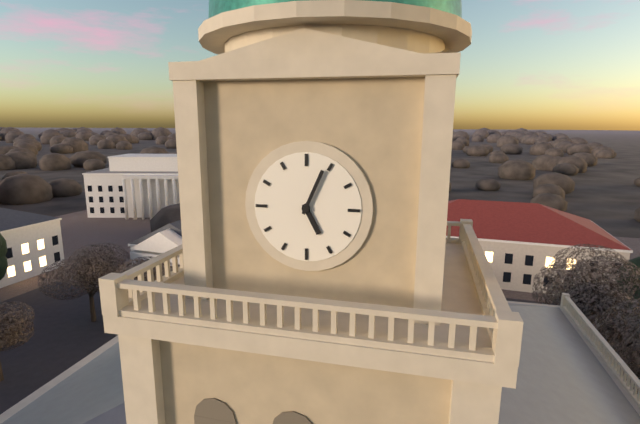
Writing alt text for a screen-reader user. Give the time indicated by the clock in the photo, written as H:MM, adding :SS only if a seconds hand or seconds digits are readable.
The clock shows 5:04
